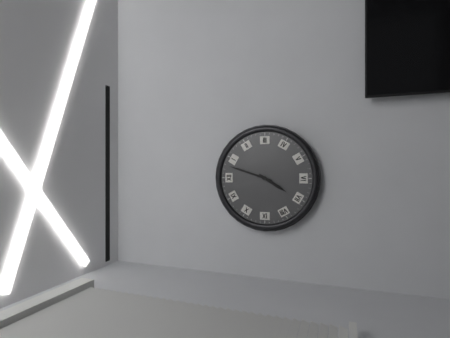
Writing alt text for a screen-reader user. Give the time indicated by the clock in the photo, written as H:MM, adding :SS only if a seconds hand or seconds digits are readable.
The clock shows 7:03
